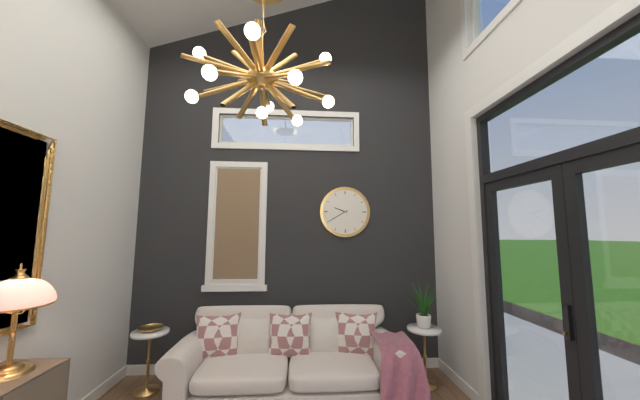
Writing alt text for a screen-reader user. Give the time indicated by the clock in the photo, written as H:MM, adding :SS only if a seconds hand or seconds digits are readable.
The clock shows 9:40
